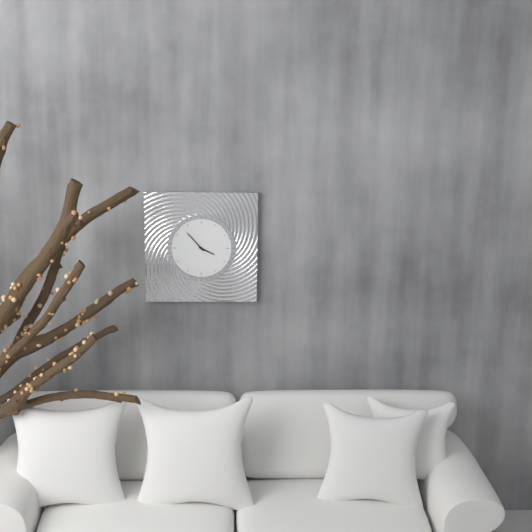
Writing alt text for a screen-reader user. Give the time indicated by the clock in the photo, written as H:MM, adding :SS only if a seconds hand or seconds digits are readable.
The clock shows 3:53
